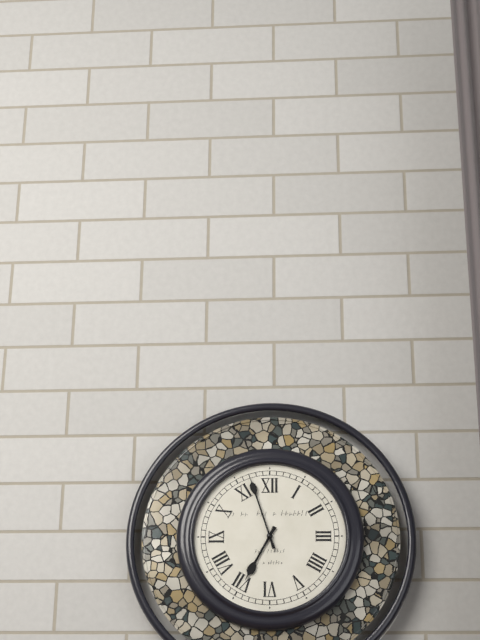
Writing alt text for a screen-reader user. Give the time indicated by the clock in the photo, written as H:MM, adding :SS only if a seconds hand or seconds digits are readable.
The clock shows 6:57
